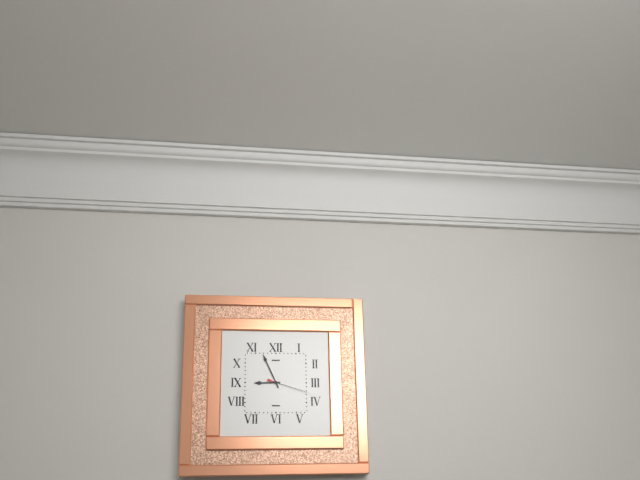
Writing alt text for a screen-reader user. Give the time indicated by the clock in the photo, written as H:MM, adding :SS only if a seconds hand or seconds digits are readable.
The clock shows 8:56
